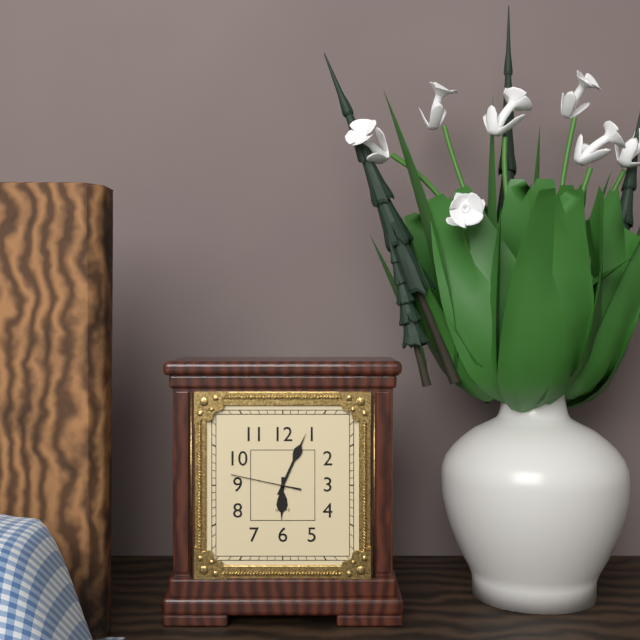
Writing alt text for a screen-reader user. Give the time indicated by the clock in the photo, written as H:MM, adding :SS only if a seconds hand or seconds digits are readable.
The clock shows 6:04:47
